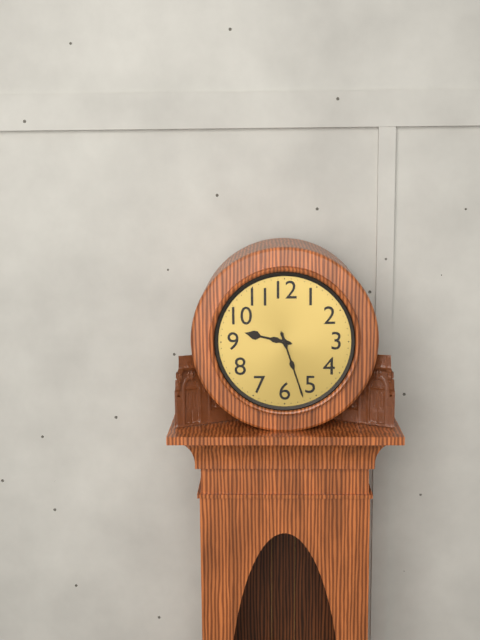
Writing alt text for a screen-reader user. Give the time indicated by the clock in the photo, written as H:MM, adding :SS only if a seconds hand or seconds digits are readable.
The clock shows 9:27
